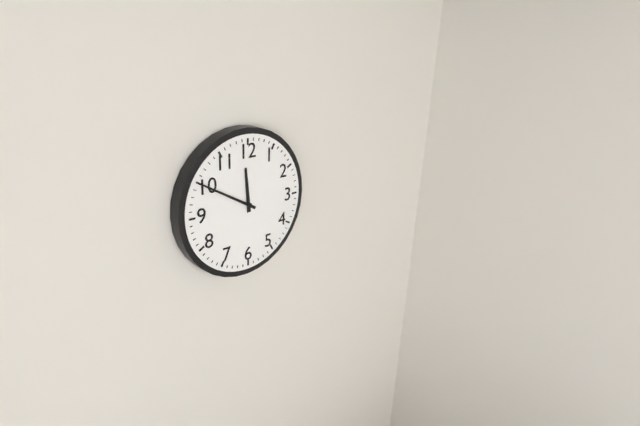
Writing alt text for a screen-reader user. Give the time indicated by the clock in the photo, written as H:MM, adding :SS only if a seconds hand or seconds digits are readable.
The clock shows 11:50
